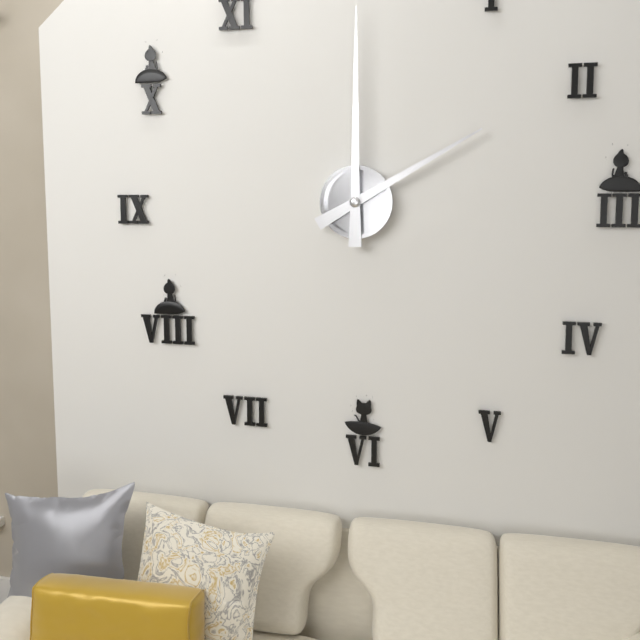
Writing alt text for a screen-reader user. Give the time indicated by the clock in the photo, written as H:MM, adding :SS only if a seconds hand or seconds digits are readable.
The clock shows 2:00
